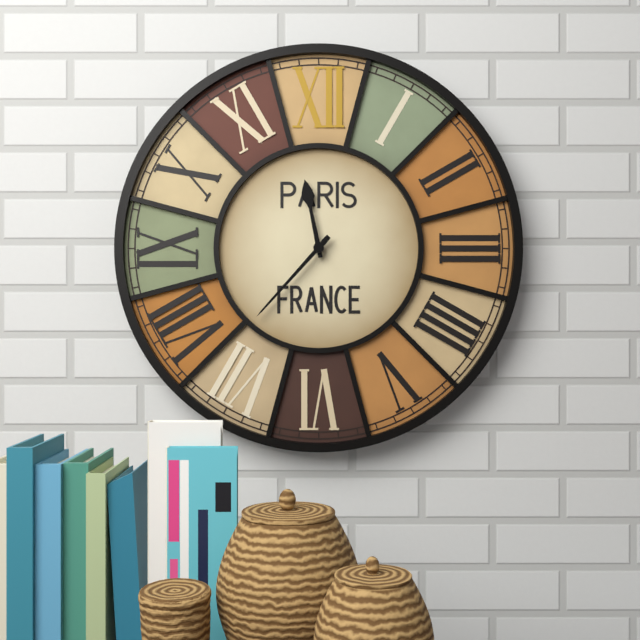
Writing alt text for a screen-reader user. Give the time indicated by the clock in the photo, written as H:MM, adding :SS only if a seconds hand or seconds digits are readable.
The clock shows 11:37
